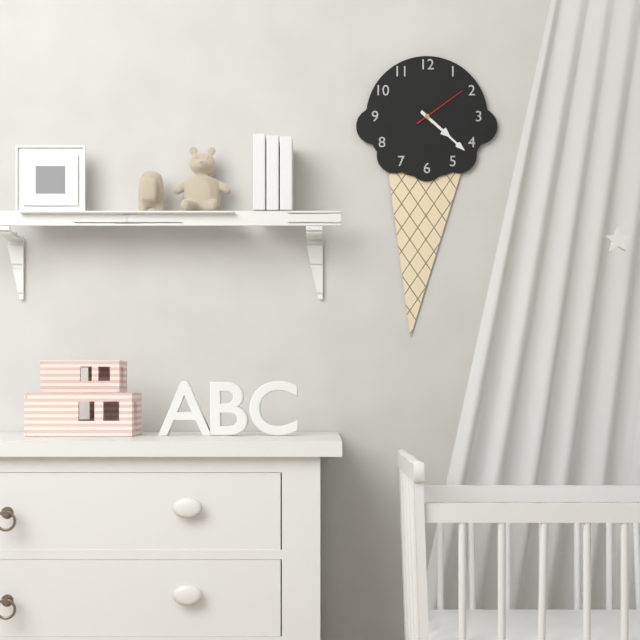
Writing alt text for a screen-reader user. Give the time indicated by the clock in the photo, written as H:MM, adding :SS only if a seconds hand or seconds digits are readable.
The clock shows 4:22:09
